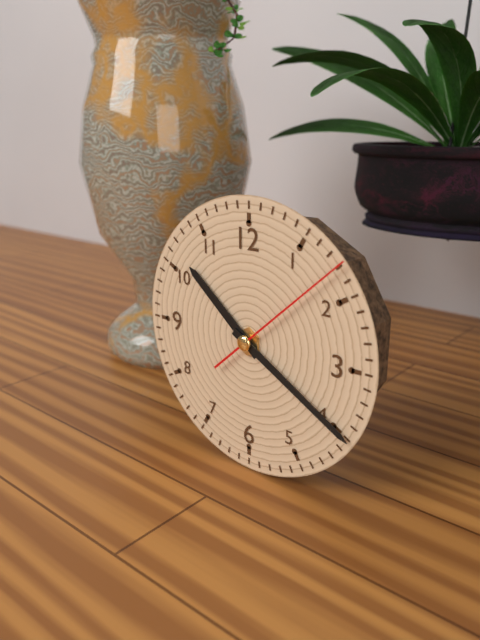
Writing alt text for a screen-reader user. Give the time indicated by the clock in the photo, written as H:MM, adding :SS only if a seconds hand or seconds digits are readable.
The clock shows 10:20:08
